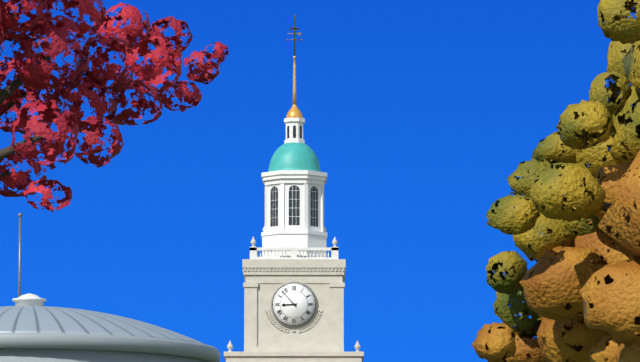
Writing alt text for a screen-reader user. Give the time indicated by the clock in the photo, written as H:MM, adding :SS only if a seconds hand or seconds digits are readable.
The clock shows 8:53
